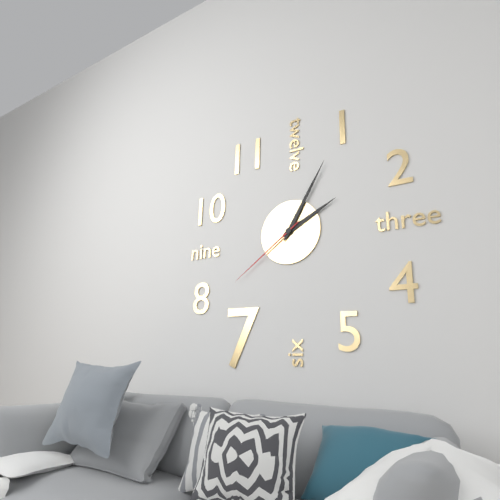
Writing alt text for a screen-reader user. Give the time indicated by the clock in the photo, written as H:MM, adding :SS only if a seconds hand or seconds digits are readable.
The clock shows 2:05:39
